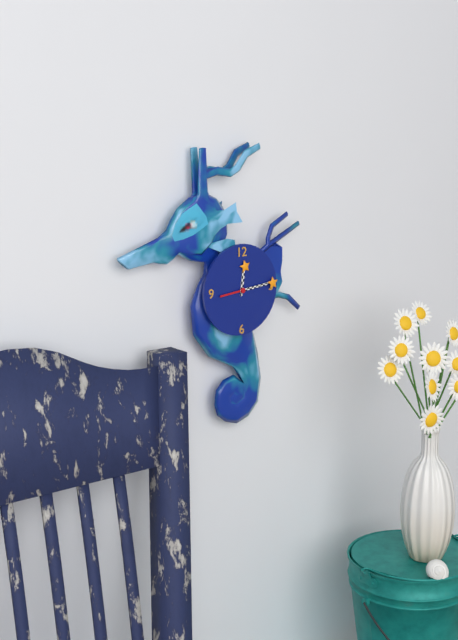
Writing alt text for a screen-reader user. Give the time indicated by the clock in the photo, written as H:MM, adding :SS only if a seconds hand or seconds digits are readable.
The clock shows 12:14
